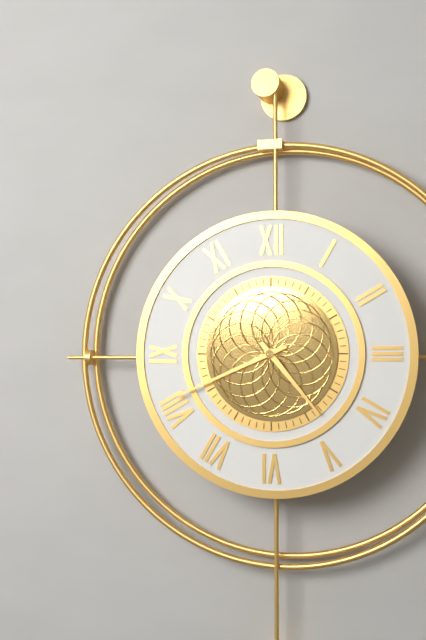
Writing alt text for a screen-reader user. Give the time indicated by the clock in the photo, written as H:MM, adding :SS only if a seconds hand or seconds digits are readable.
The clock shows 4:41
